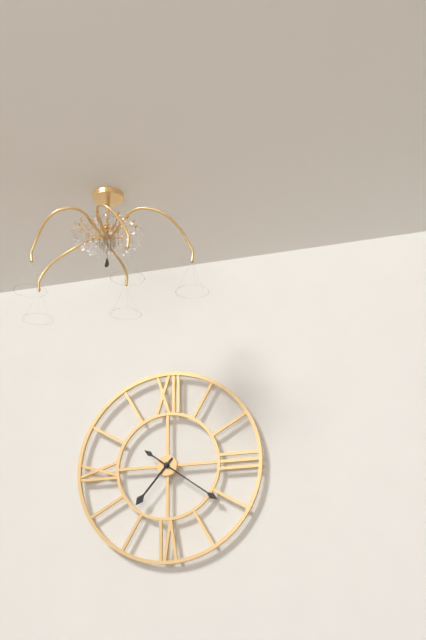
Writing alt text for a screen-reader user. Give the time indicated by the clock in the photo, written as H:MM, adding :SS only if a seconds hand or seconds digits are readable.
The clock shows 7:21
